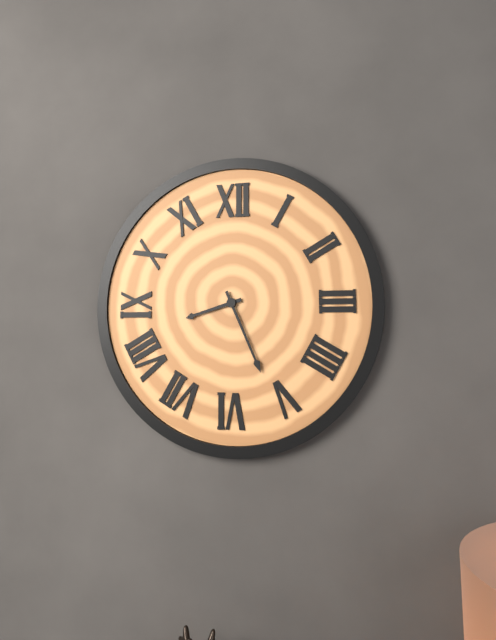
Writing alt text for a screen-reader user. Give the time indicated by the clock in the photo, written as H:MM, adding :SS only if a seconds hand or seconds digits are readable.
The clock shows 8:26
